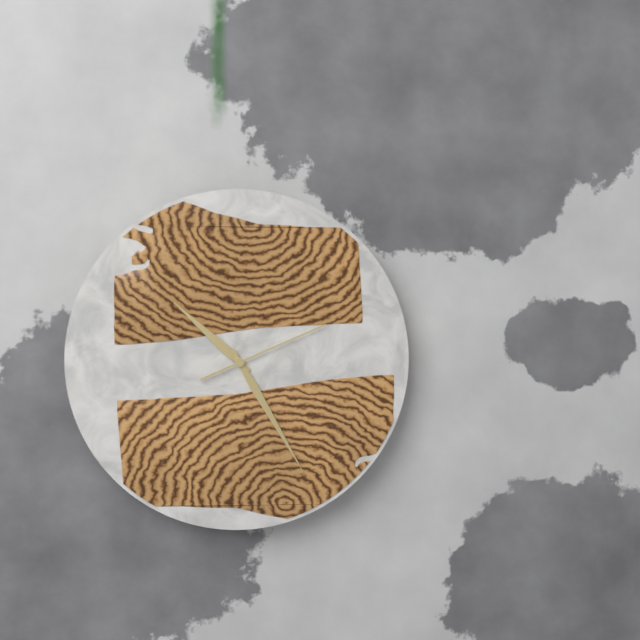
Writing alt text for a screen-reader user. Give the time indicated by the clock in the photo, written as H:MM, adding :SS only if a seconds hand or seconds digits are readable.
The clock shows 10:25:11
